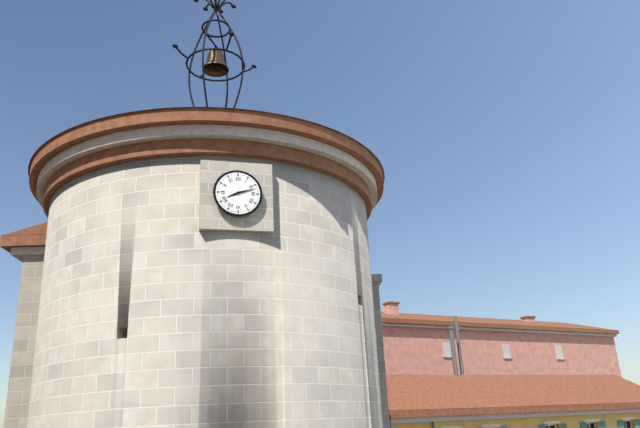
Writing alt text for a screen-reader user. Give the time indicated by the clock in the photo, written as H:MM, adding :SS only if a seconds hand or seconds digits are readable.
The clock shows 8:12
